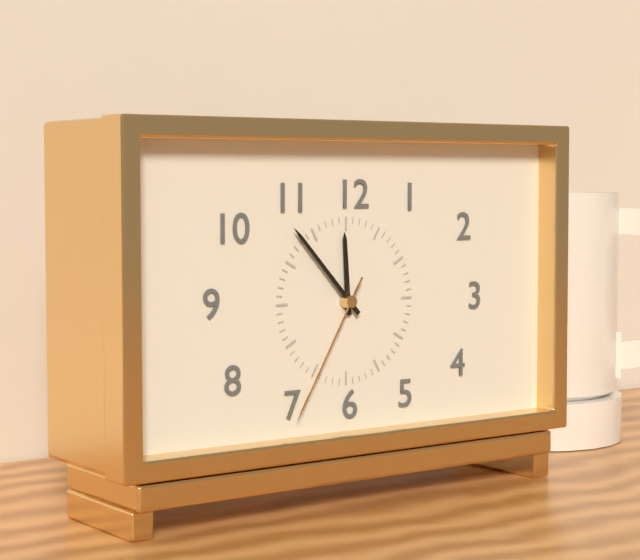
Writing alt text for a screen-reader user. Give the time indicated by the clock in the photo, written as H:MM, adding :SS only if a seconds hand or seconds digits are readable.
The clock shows 11:53:35
